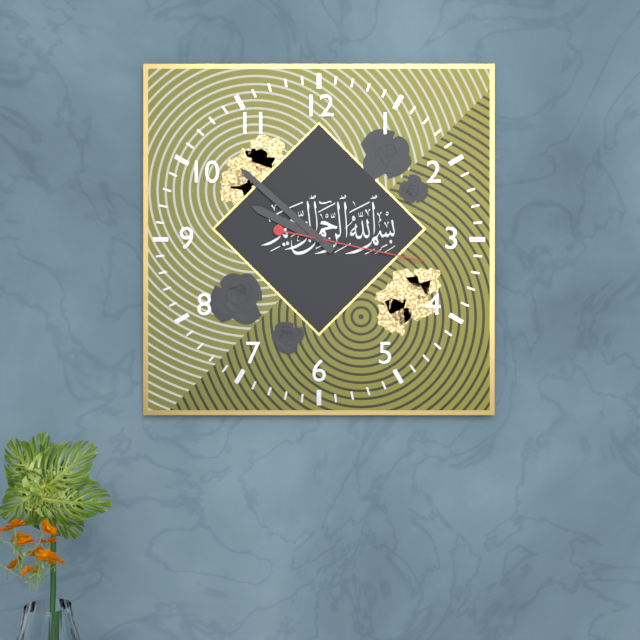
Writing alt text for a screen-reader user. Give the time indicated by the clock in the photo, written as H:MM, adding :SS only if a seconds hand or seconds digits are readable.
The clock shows 9:52:17
